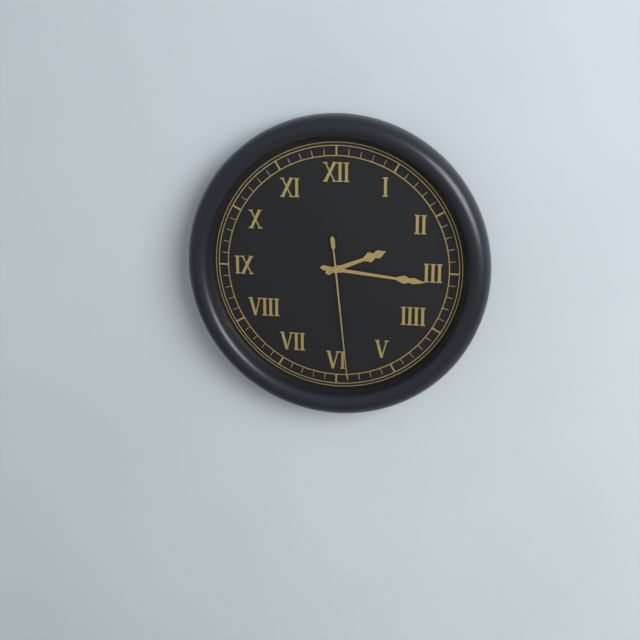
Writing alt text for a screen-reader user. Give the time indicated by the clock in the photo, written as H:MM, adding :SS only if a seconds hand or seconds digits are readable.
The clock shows 2:16:29
